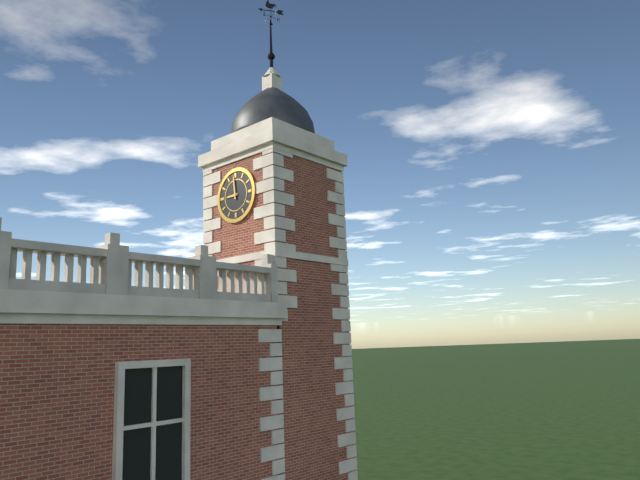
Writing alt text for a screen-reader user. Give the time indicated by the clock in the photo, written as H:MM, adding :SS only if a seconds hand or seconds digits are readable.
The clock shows 8:59
